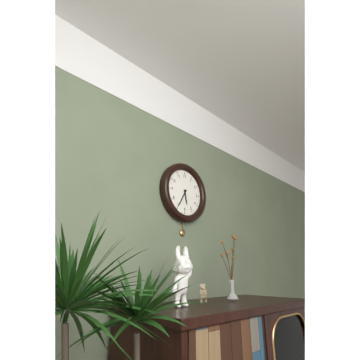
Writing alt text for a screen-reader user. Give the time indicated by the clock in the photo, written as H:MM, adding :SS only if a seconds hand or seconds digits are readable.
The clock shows 5:35
